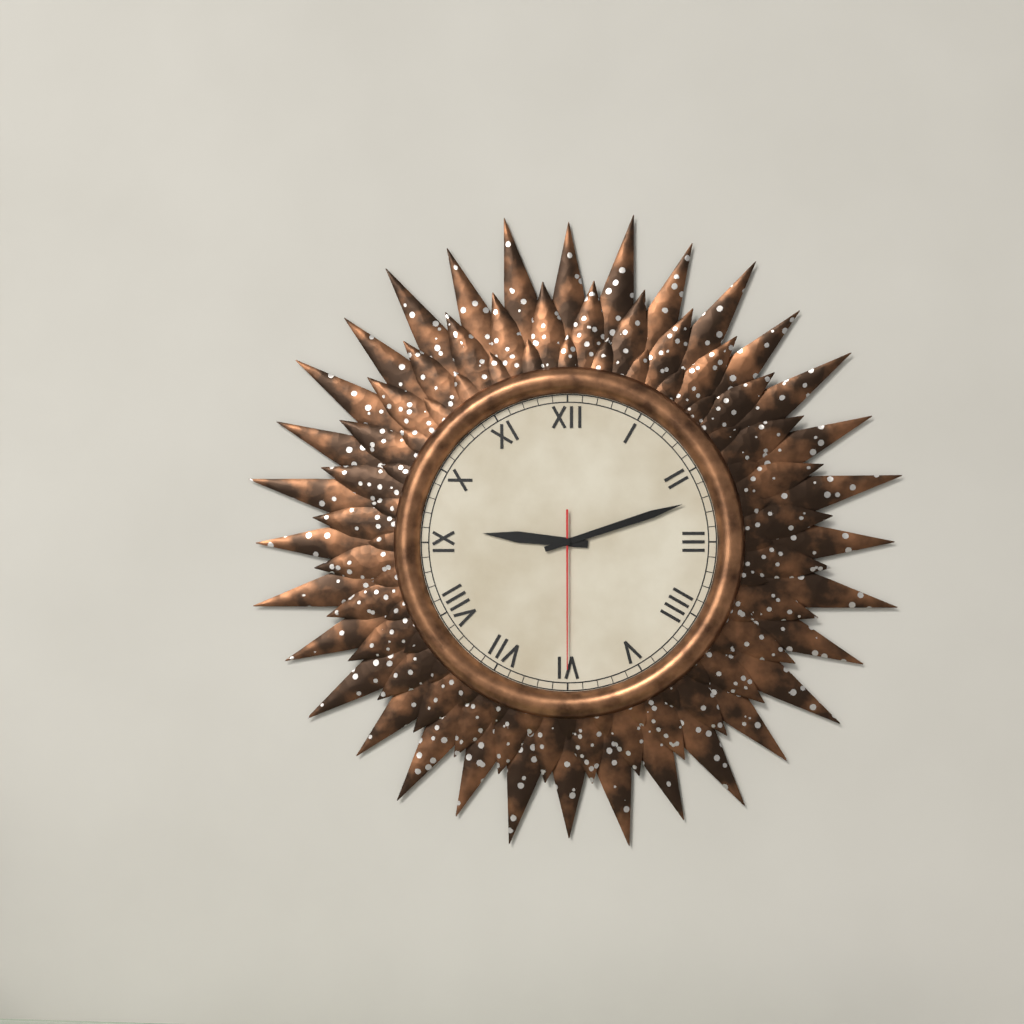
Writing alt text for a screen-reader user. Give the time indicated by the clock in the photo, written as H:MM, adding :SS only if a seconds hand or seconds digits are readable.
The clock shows 9:12:30
